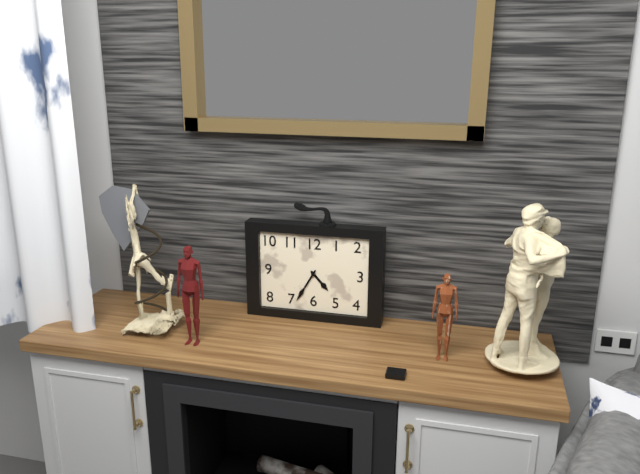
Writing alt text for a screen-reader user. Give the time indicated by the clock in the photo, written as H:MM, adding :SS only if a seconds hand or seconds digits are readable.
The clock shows 4:35
